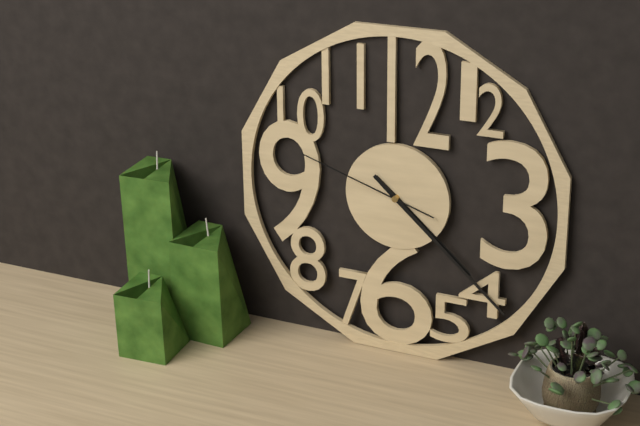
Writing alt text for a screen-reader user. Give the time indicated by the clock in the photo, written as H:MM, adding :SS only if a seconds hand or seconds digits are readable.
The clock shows 4:22:48
